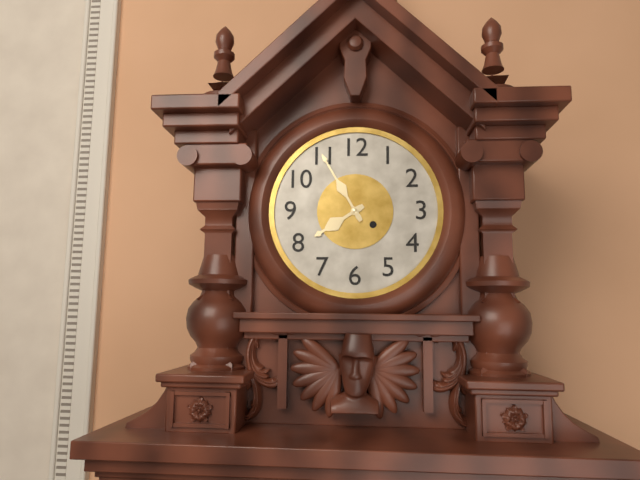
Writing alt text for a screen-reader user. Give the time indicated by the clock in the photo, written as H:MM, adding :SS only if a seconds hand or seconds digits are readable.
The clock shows 7:55
